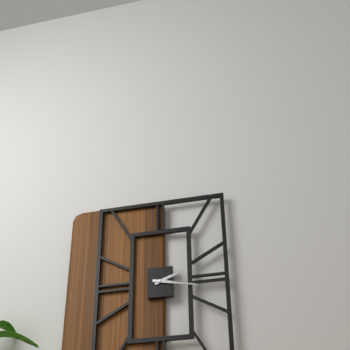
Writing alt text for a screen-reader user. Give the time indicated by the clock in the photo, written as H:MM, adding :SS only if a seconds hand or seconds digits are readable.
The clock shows 2:17
